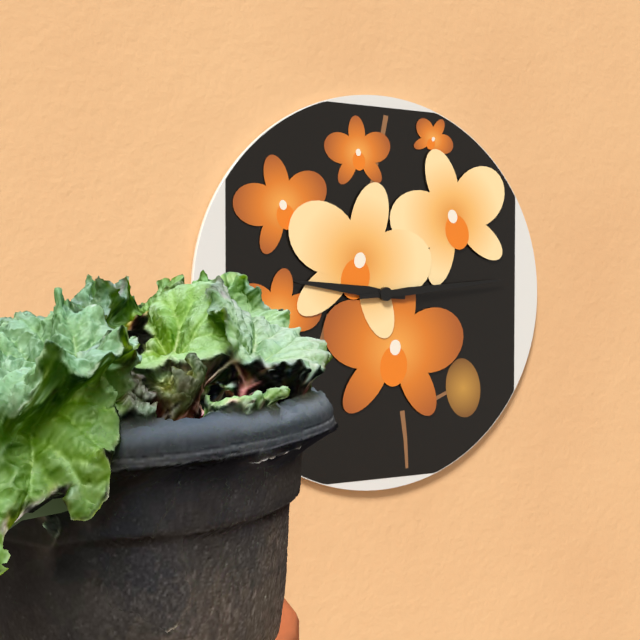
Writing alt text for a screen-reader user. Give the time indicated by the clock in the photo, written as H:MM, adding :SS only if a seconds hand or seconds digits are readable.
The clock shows 9:14
